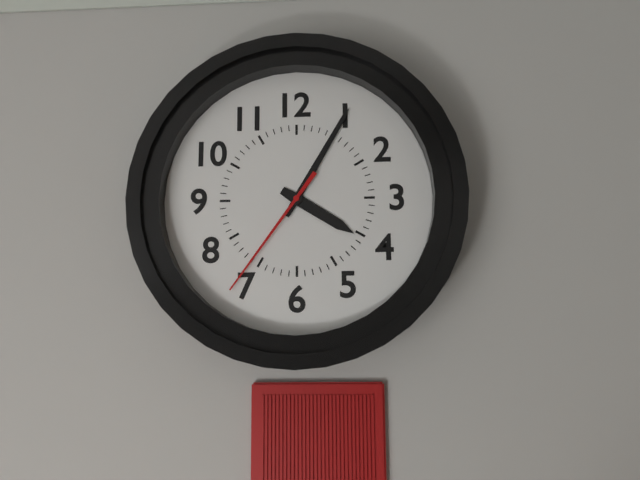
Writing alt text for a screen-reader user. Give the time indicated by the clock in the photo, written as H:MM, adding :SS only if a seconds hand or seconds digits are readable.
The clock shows 4:05:36
